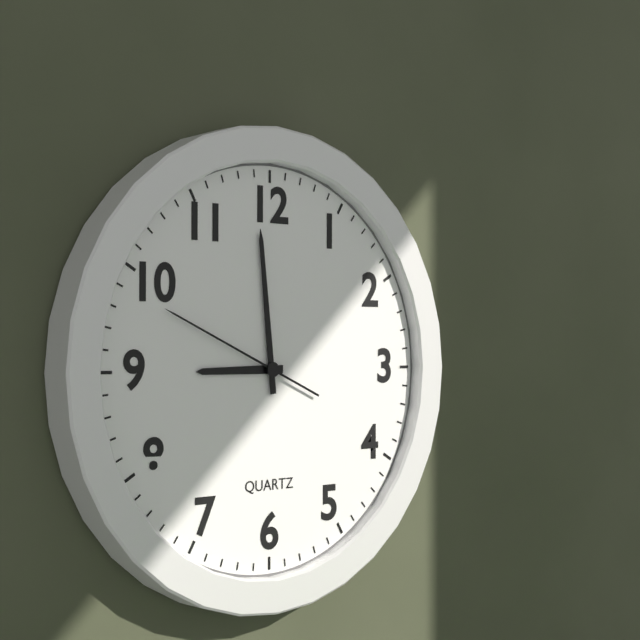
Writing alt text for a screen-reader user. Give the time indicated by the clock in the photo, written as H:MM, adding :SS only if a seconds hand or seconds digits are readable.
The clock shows 8:59:49
